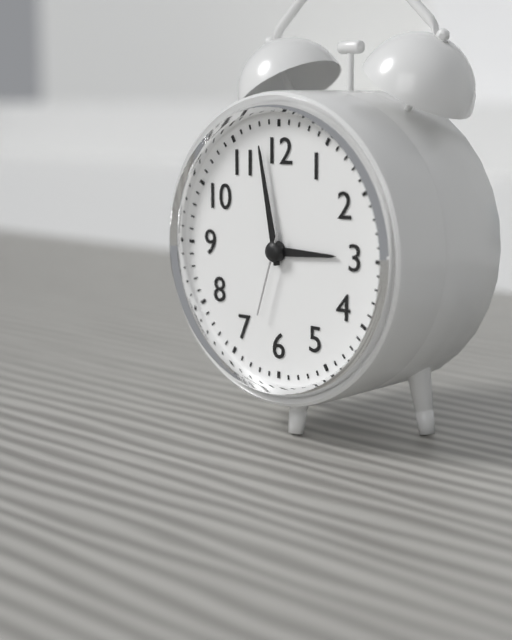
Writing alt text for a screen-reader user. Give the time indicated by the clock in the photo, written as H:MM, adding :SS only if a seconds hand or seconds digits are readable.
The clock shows 2:58:33
